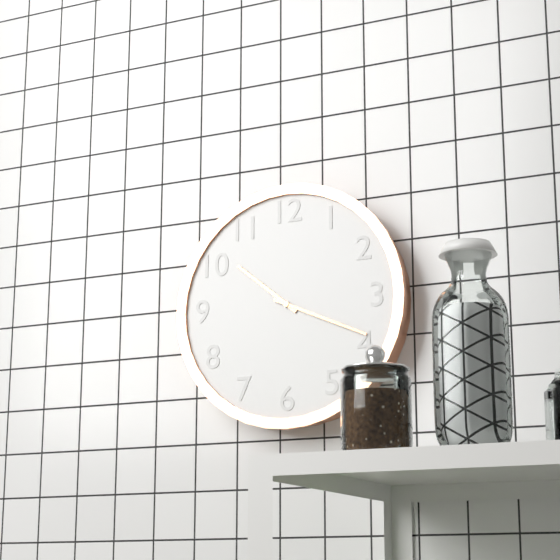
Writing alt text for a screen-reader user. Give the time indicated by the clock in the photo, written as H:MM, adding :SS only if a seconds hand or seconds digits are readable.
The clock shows 10:19
